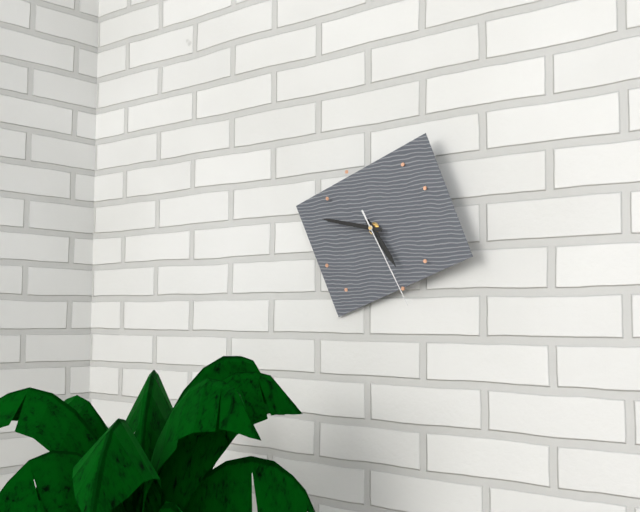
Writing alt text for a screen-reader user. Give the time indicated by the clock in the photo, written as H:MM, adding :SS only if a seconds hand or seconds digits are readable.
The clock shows 4:47:25
